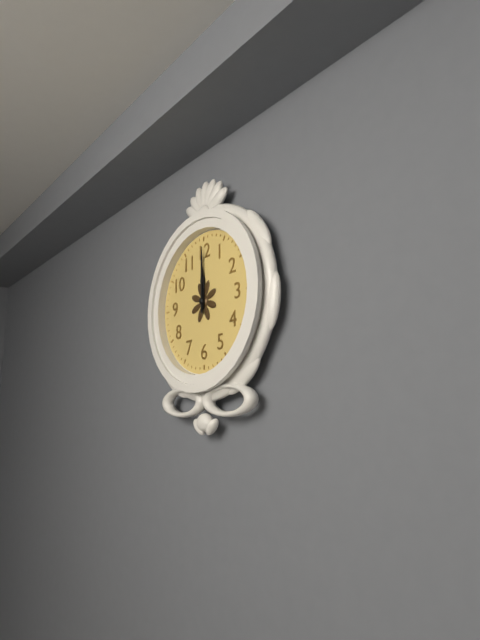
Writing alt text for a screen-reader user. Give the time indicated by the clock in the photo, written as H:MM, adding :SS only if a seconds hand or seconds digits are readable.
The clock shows 12:00
